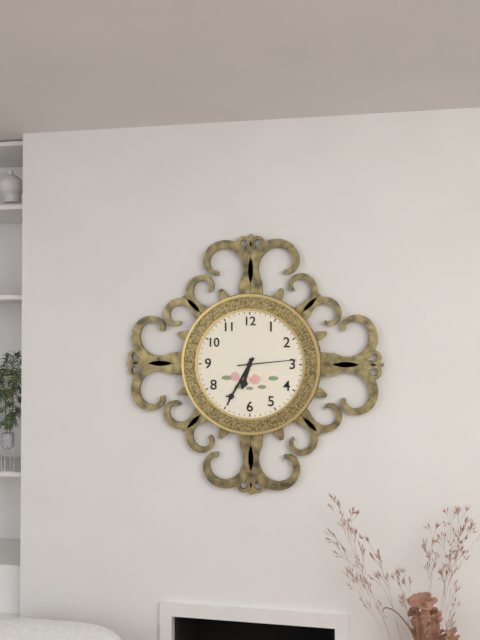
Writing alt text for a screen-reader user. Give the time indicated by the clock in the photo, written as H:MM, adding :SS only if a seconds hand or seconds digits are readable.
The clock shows 6:35:14
